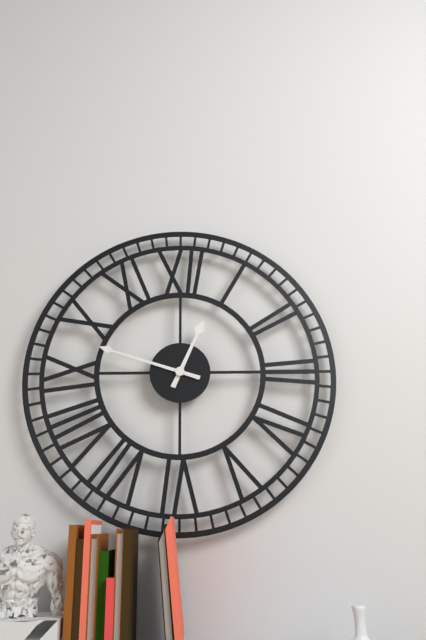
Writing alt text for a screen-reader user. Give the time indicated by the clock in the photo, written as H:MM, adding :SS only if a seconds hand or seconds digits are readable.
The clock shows 12:48
